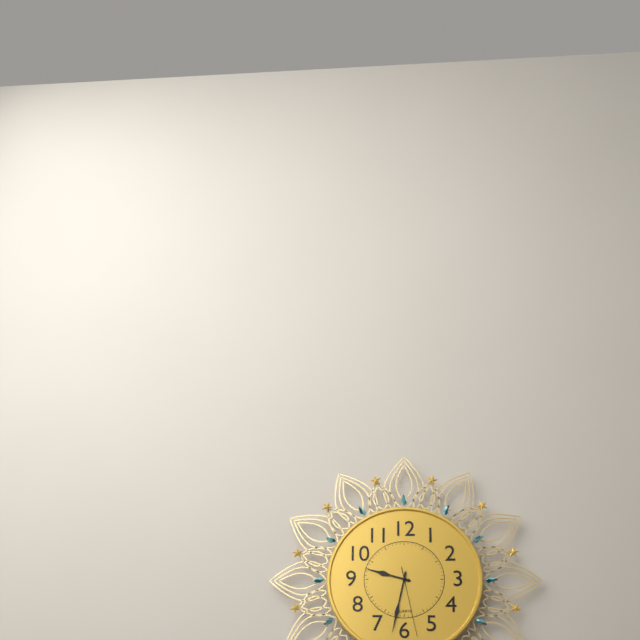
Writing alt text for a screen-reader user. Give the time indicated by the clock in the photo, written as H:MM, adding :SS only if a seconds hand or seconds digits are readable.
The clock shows 9:32:28
